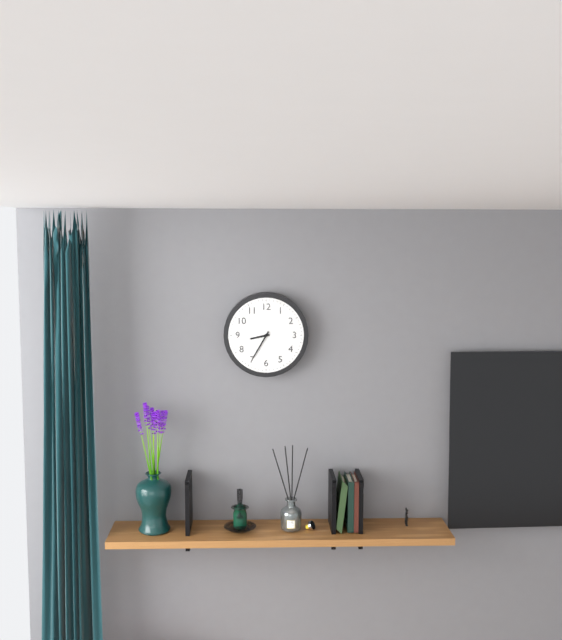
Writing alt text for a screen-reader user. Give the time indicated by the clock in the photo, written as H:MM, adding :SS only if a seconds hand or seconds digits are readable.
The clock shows 8:35
